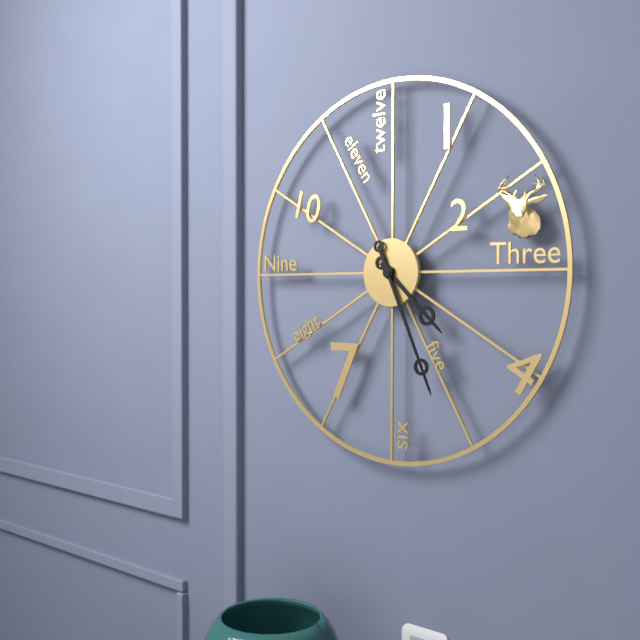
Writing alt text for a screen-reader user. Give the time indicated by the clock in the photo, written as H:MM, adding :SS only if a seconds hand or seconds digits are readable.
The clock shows 4:26
